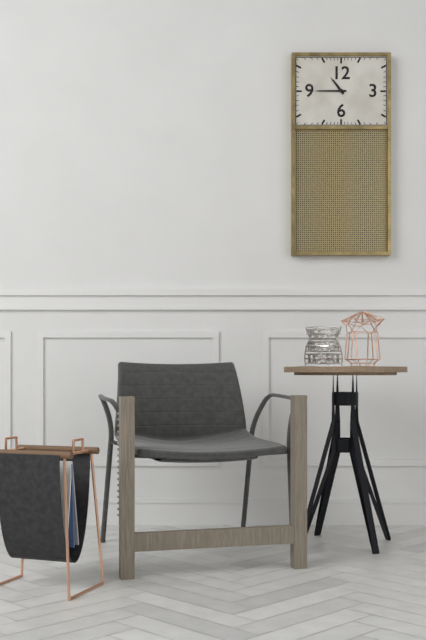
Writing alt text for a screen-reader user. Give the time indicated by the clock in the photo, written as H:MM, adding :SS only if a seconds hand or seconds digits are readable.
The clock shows 10:45
